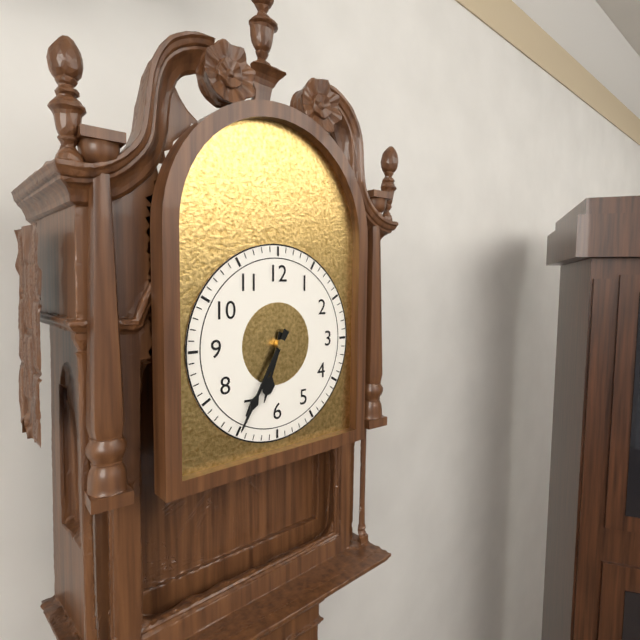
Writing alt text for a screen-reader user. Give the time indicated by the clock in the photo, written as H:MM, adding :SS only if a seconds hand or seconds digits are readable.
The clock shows 6:35
